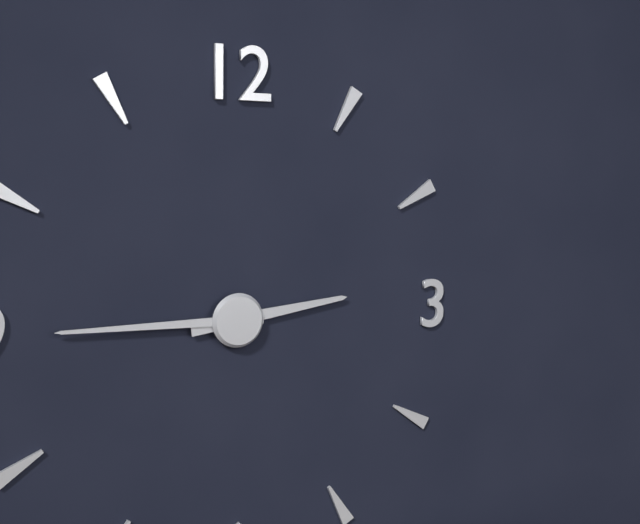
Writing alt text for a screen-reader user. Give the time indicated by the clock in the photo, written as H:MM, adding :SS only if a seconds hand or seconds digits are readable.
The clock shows 2:45
